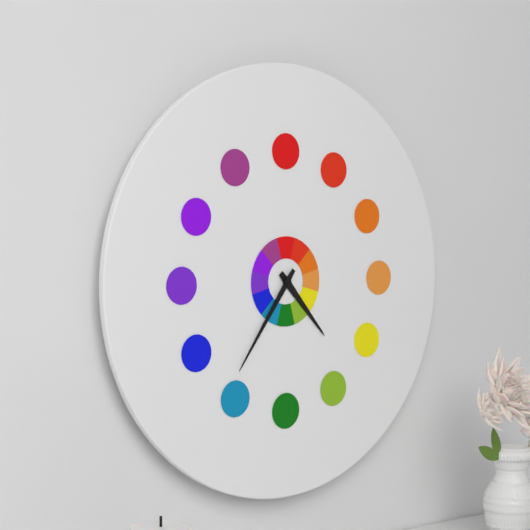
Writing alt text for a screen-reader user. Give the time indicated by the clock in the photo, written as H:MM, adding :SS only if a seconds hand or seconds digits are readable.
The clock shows 4:36
